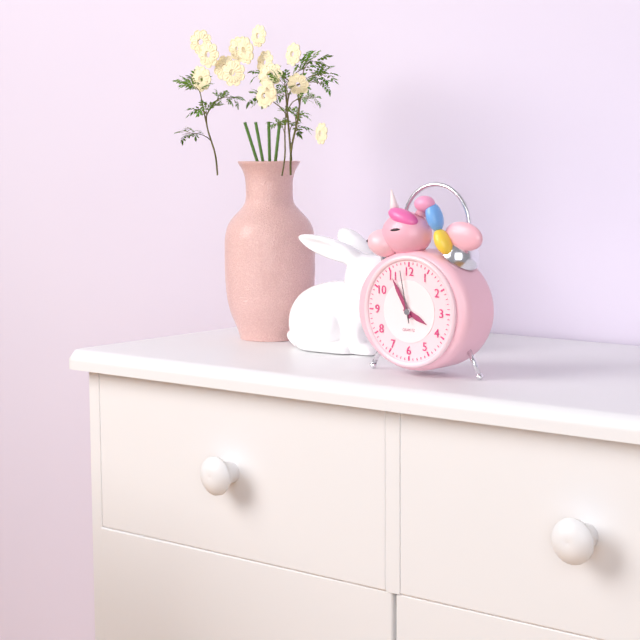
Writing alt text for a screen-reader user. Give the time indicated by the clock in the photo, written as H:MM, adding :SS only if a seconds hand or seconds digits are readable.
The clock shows 3:55:58
